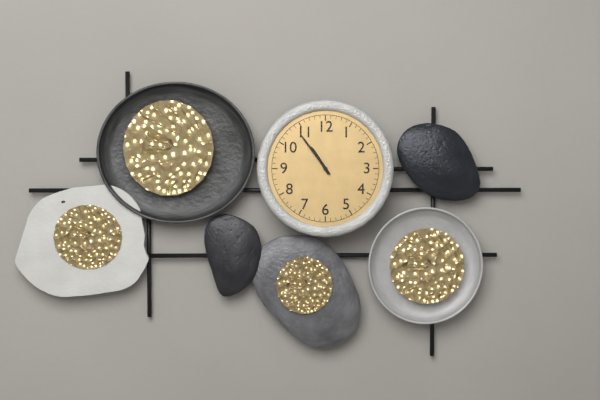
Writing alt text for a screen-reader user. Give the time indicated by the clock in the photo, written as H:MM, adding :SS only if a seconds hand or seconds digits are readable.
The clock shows 10:54
